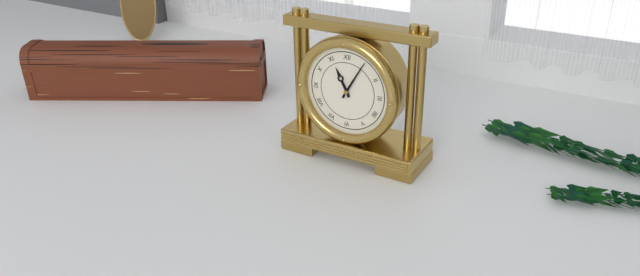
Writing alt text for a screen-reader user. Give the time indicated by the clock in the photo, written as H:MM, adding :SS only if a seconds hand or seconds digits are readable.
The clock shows 11:05
